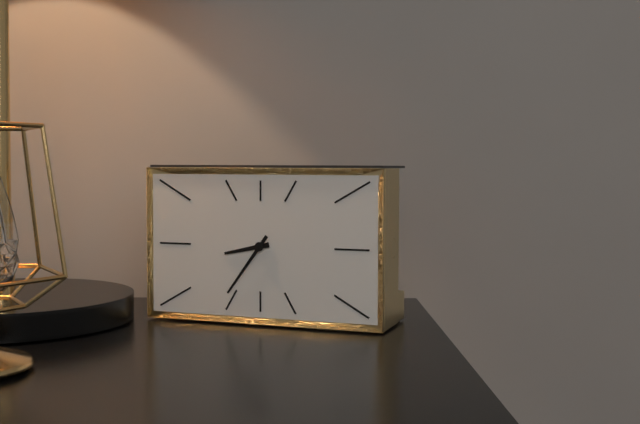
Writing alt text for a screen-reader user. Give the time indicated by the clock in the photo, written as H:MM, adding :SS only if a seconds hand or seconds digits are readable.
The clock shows 8:36
